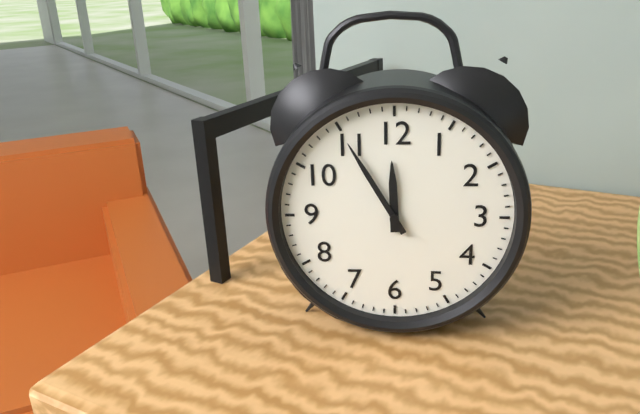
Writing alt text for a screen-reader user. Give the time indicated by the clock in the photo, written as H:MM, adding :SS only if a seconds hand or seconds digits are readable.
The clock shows 11:55
